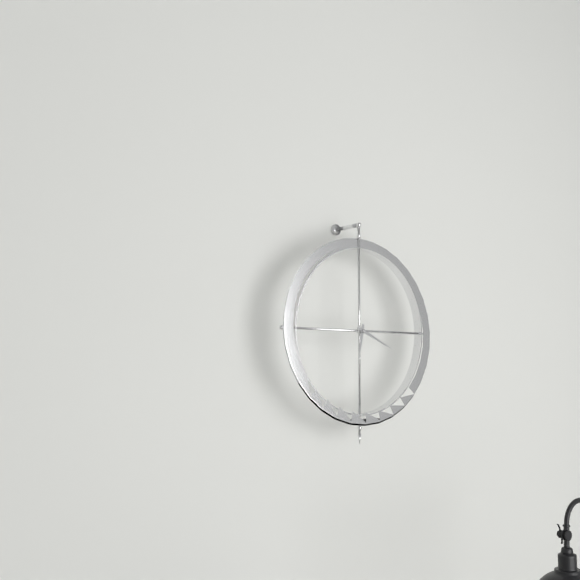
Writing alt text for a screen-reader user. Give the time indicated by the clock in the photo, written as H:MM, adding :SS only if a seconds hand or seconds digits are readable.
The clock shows 6:19
